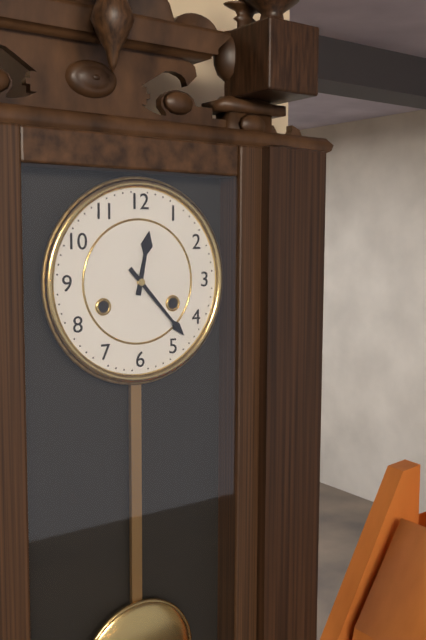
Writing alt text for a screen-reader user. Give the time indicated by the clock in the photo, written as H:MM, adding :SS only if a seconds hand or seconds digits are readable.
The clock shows 12:23
